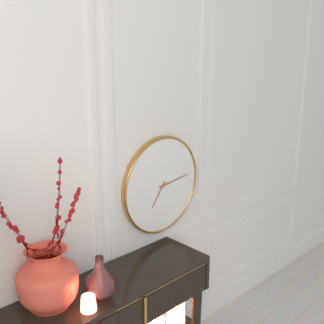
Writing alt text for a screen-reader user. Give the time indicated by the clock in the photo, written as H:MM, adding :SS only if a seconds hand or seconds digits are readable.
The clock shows 7:14
